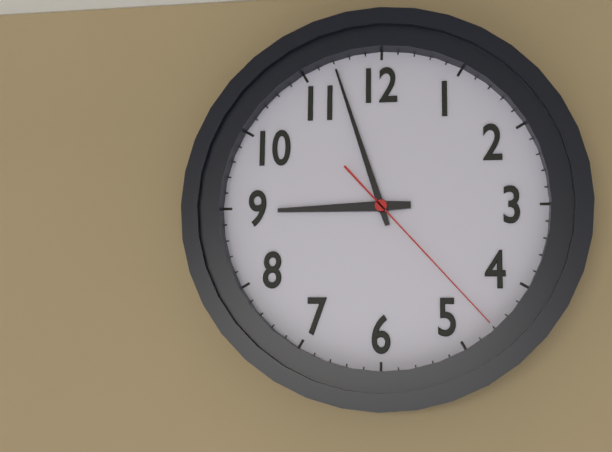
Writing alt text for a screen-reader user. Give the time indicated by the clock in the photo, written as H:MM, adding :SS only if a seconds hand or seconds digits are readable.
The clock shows 8:57:23
